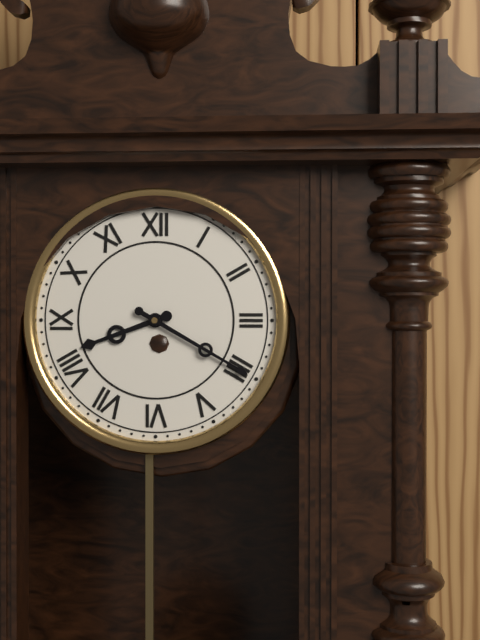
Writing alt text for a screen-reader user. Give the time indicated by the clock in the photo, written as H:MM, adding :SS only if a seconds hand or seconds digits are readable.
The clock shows 8:20
